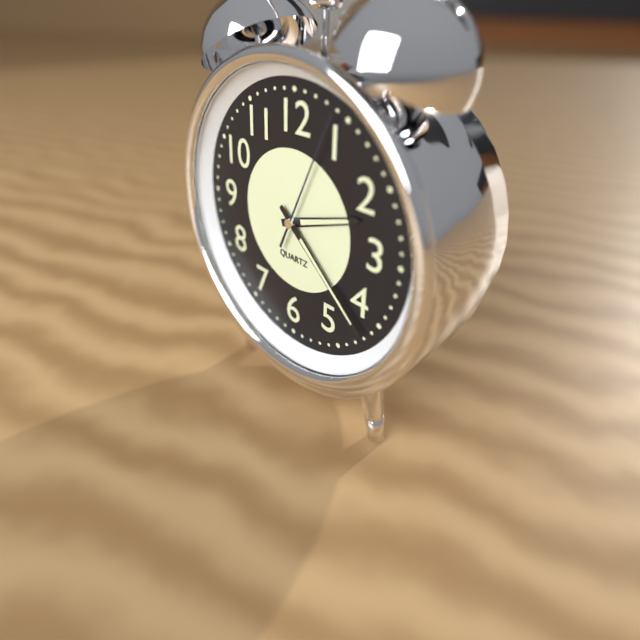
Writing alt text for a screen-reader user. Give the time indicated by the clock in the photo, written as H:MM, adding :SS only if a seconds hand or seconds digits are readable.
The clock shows 2:22:04
